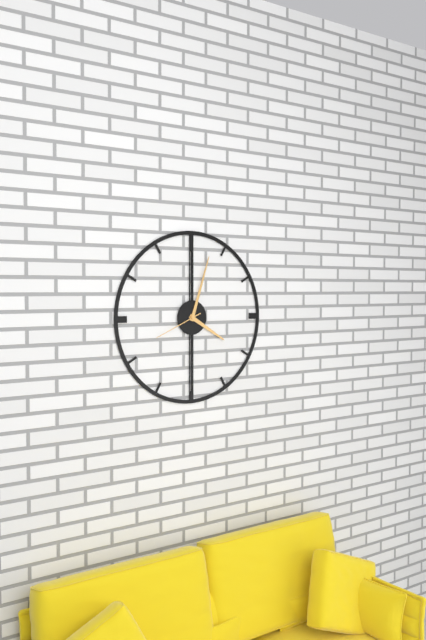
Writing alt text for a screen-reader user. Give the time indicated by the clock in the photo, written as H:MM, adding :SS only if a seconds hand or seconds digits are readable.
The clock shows 4:03:41
